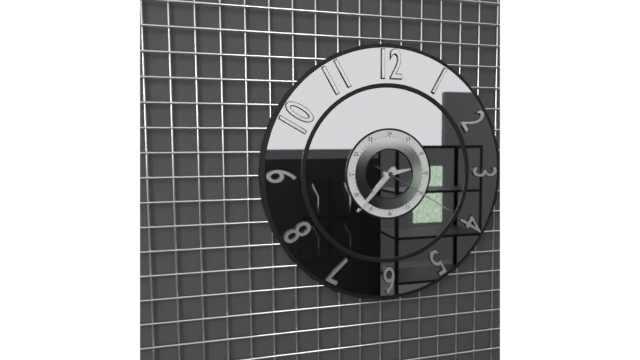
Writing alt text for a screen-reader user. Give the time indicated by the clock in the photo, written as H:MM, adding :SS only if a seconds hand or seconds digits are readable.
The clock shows 2:37:20
